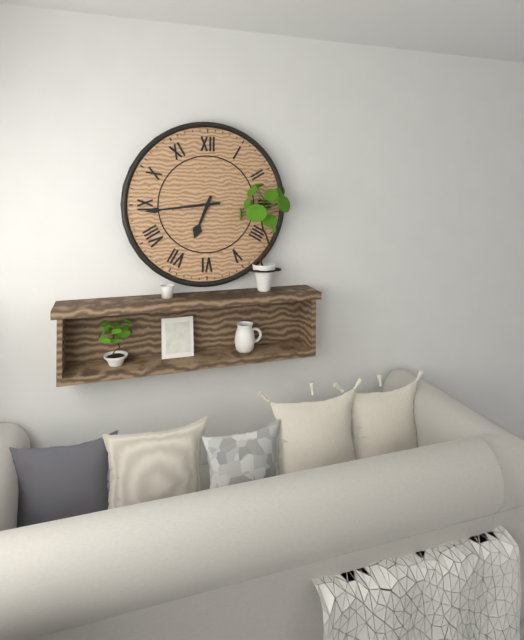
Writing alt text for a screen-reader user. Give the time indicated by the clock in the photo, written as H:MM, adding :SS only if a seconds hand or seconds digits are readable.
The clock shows 6:44
